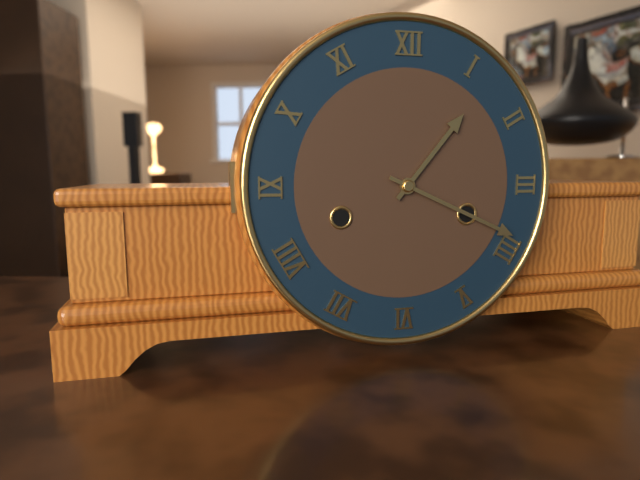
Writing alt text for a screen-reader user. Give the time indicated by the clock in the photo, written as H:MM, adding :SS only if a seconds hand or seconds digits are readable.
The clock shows 1:19
